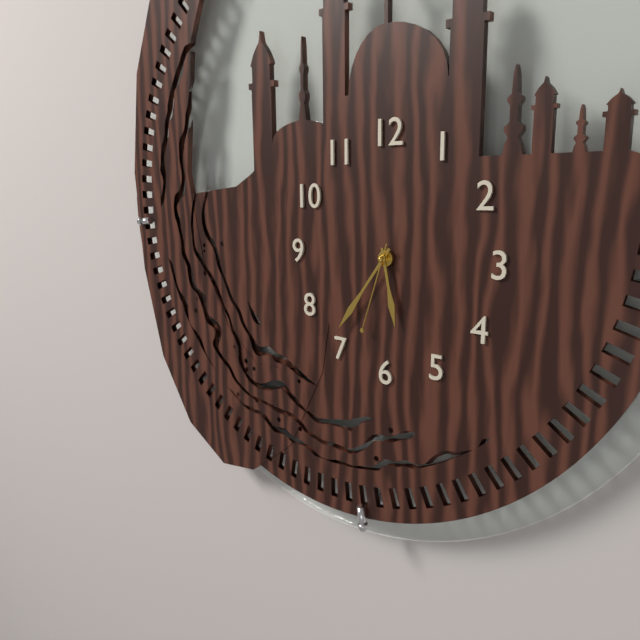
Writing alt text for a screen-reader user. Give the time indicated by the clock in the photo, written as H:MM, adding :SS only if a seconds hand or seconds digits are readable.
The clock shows 5:36:33
